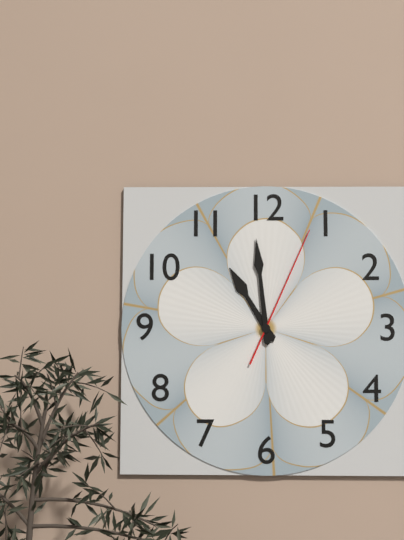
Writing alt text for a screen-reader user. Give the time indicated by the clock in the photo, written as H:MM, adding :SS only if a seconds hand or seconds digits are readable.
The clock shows 10:59:04
